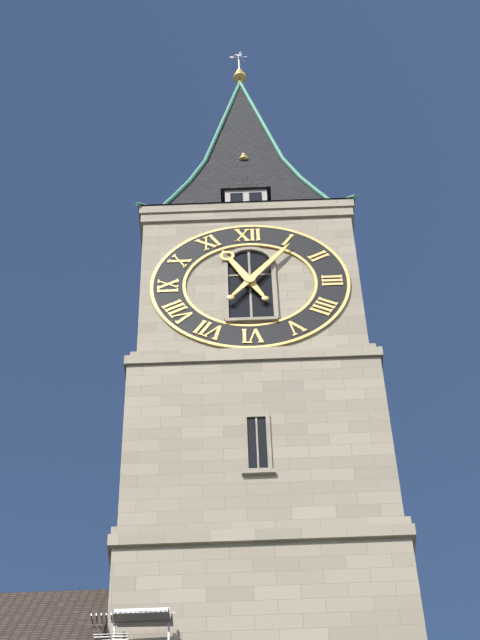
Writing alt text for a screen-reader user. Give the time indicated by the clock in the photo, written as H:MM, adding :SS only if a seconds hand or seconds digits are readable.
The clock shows 11:06
